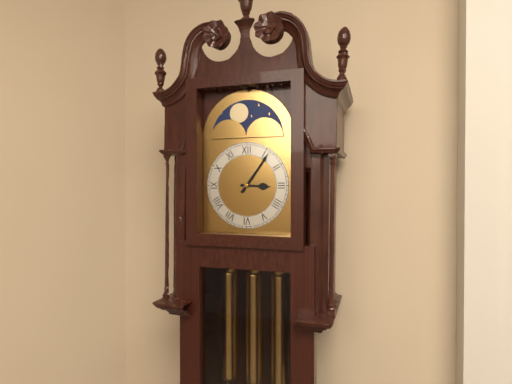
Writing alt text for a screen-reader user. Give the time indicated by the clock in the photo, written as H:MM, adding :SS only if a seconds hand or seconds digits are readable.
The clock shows 3:06
